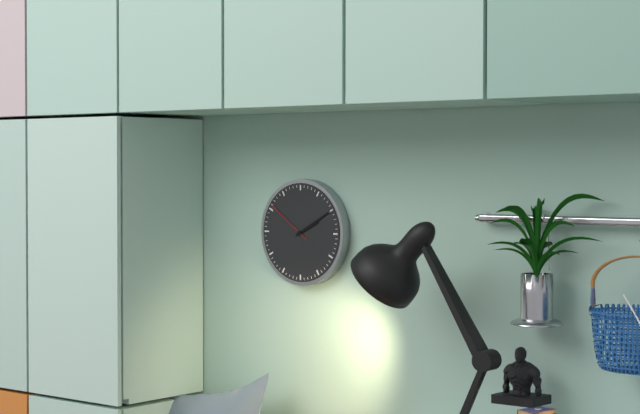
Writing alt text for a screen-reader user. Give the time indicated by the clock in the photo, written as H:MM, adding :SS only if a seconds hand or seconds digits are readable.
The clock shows 2:10
